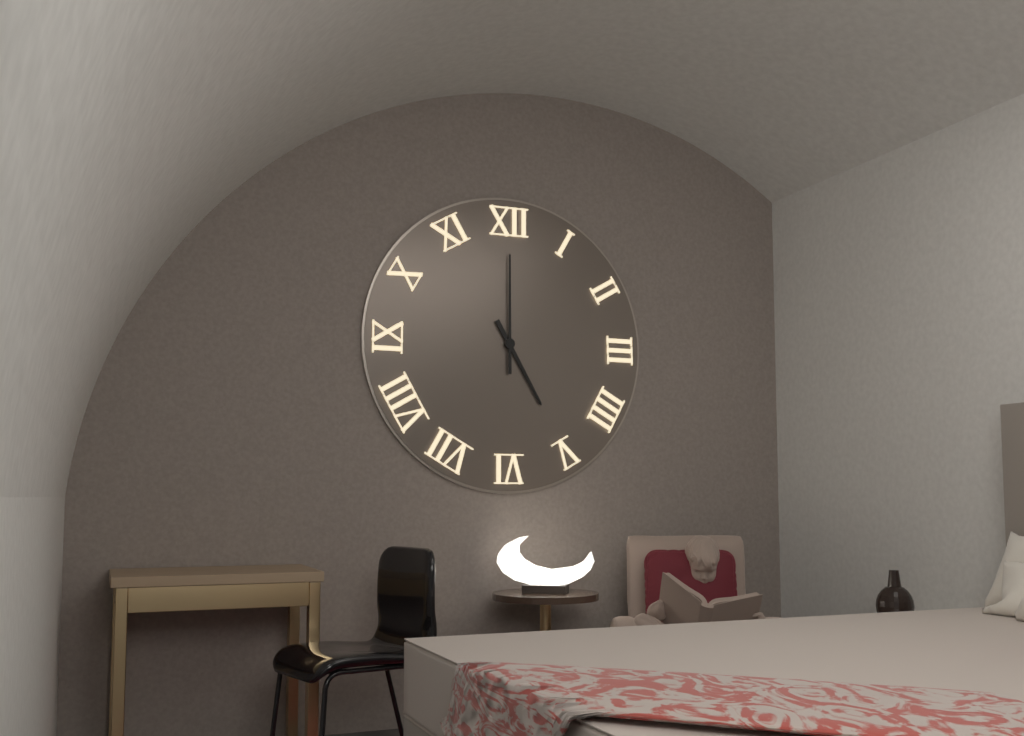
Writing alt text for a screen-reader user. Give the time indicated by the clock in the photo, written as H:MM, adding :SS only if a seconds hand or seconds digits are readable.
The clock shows 5:00
